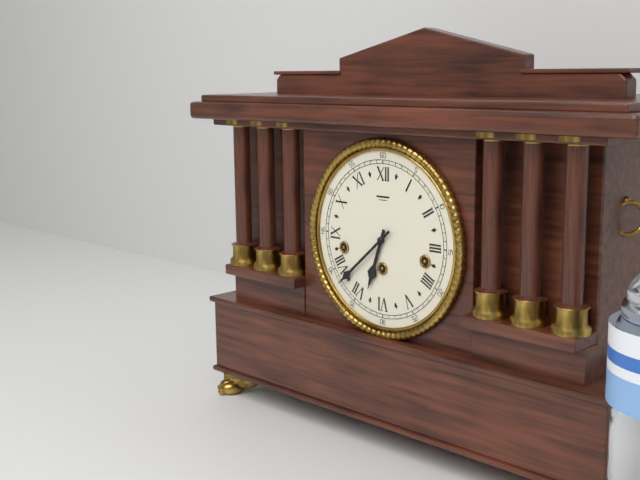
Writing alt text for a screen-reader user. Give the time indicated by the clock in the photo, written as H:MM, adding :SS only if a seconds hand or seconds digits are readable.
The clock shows 6:38
